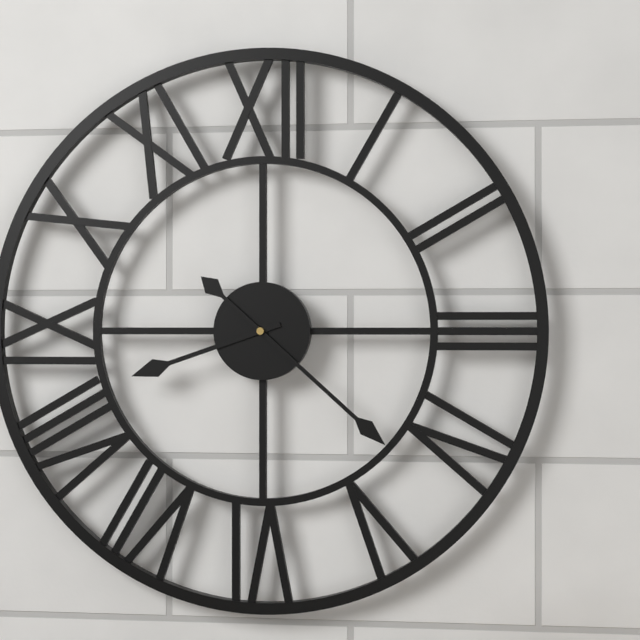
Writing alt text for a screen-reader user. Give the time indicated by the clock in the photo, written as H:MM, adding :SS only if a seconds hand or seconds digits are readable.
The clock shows 8:22
